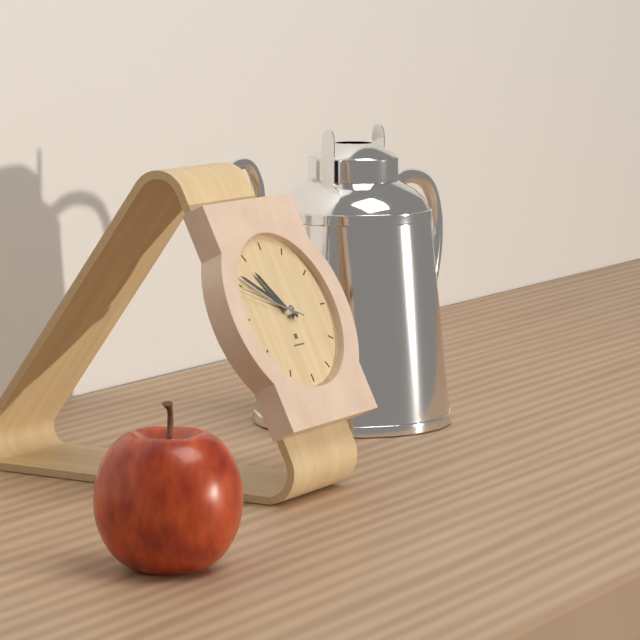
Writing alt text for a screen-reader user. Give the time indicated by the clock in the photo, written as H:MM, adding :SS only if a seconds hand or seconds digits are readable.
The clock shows 10:51:49
